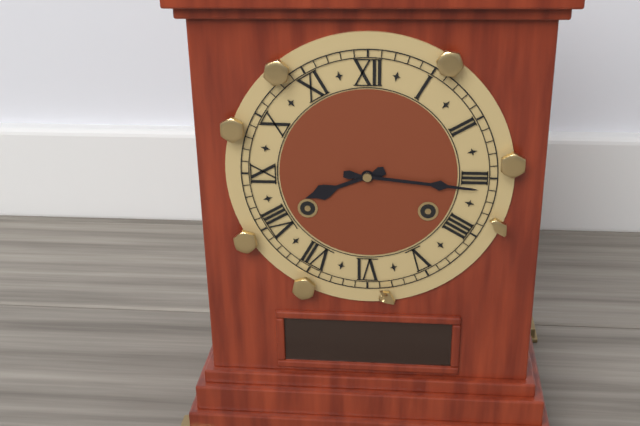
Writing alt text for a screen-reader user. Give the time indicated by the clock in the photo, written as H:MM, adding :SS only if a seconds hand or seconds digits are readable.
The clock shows 8:16
